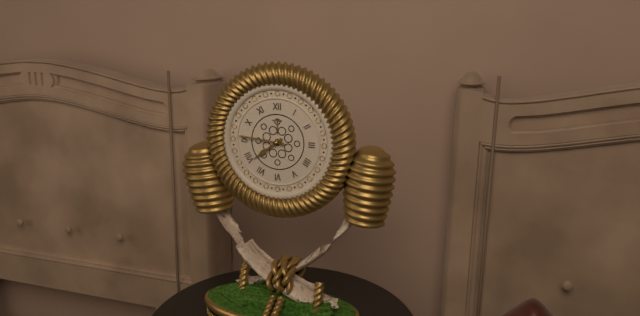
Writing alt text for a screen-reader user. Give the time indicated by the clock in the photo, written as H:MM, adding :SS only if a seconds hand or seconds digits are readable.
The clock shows 7:46
